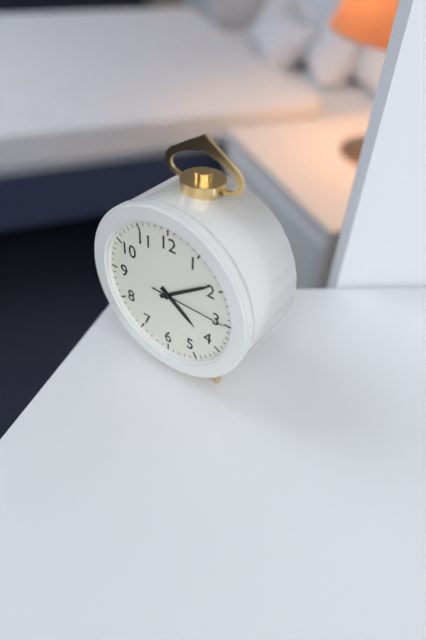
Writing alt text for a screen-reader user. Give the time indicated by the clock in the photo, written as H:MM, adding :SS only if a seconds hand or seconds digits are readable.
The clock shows 4:09:15
